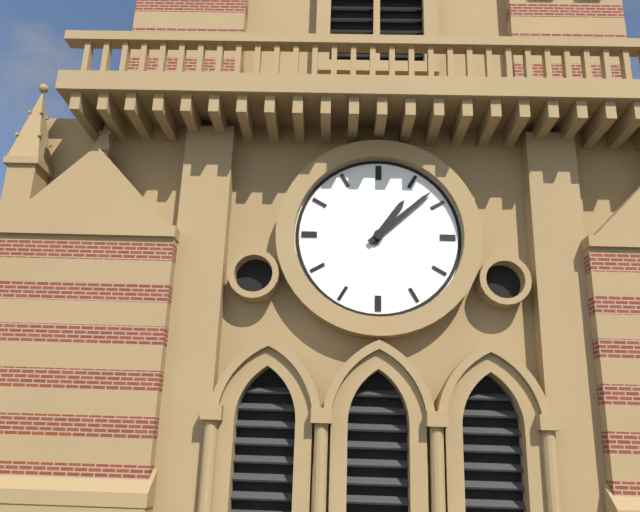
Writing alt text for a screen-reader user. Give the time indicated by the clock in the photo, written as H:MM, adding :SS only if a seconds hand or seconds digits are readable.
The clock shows 1:08
